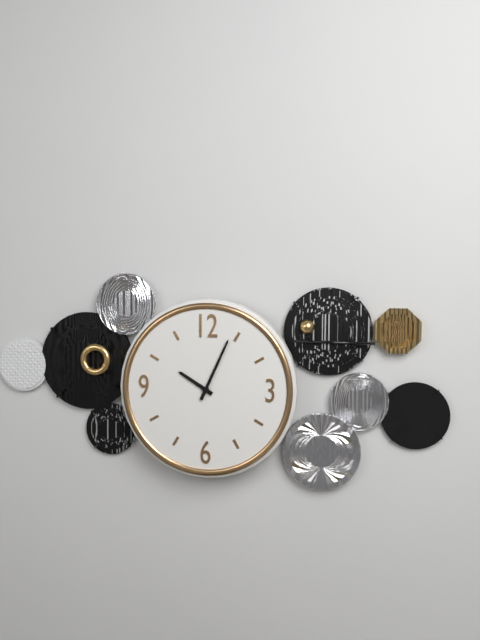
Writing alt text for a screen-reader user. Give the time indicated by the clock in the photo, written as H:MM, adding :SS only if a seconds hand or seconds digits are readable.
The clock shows 10:04
